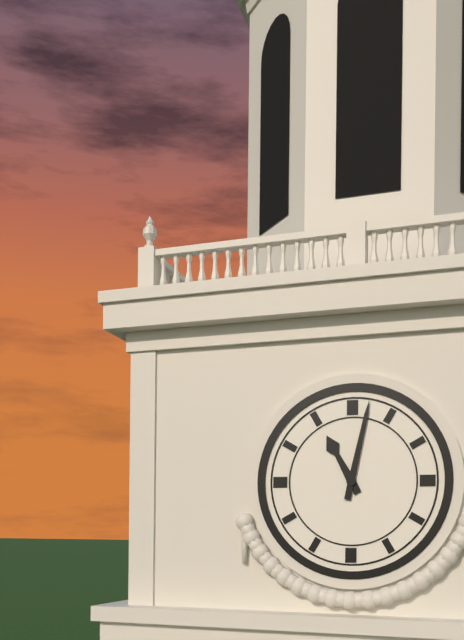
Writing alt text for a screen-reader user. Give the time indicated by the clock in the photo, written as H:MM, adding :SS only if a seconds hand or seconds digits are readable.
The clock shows 11:02
